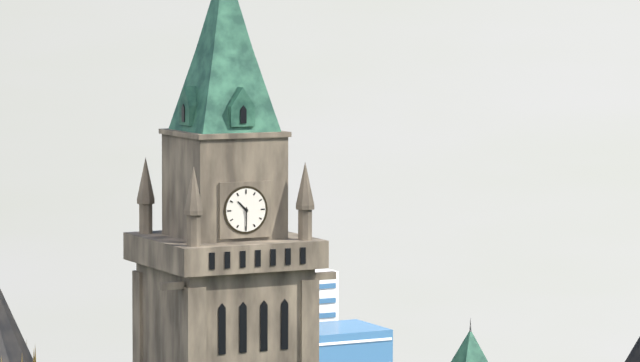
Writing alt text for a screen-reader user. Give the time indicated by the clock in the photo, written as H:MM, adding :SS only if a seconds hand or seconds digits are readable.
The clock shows 10:30
